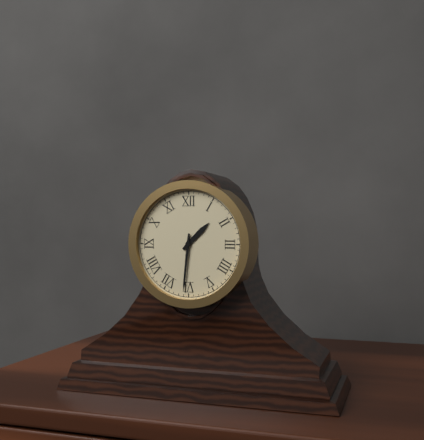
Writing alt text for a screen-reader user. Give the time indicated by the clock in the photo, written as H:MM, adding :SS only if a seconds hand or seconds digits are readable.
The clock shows 1:31
